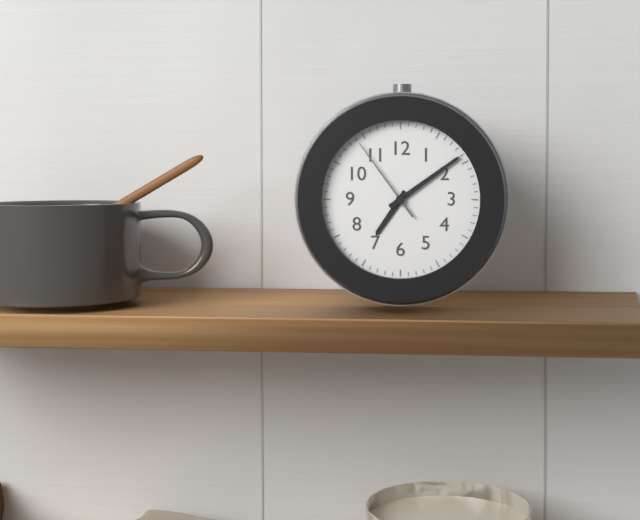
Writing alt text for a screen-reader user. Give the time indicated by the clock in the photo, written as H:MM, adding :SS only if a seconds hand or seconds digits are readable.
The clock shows 7:09:54
